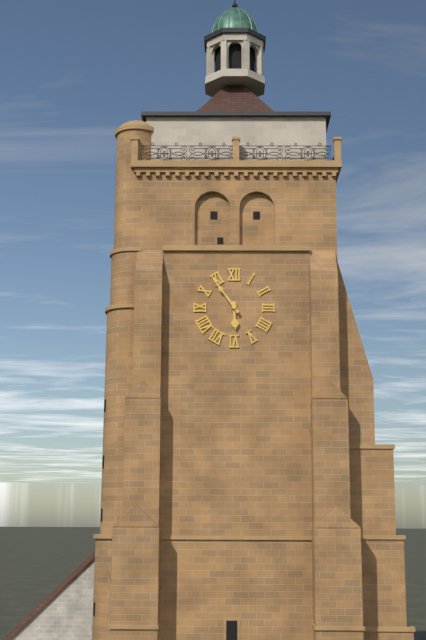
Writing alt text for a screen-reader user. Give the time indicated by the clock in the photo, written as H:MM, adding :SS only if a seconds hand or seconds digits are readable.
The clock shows 5:54
